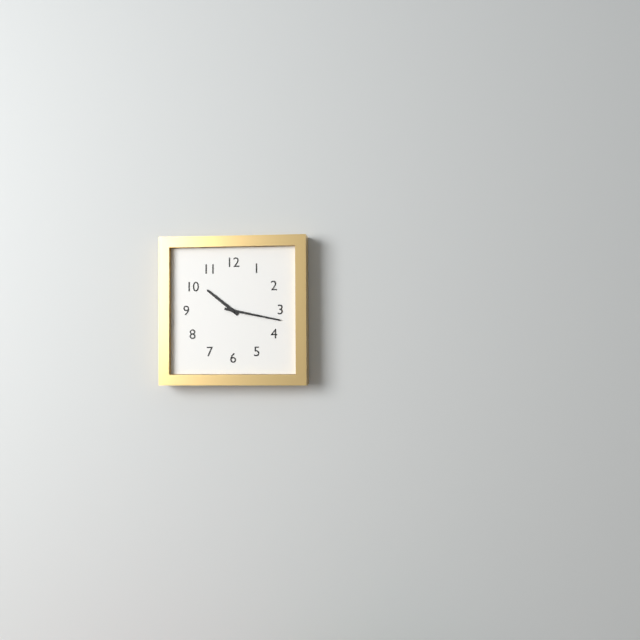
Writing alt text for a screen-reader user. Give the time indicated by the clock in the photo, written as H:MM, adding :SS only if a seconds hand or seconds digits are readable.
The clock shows 10:17
